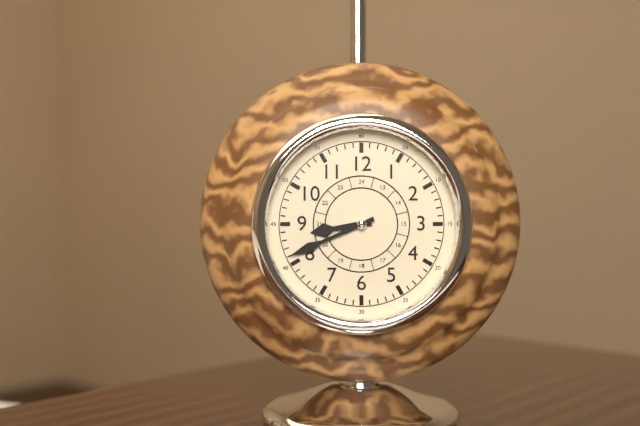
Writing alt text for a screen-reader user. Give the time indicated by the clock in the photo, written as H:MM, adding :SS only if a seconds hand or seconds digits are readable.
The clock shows 8:41
